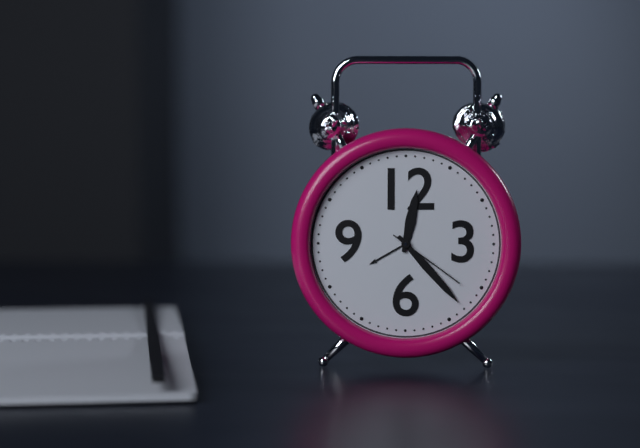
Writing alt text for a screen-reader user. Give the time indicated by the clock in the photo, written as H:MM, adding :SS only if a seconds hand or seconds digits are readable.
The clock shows 12:23:21
